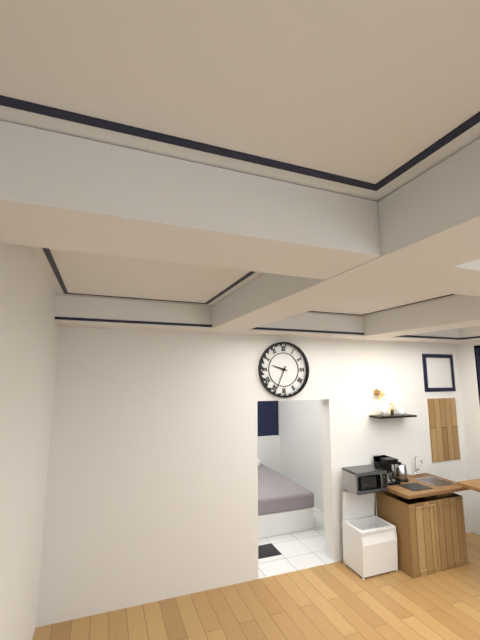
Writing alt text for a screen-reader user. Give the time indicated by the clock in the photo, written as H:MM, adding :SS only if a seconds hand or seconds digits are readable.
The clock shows 9:34
